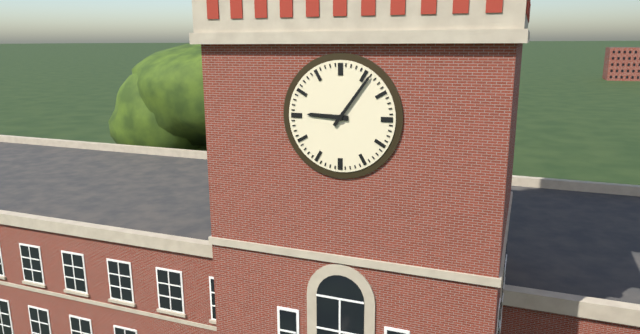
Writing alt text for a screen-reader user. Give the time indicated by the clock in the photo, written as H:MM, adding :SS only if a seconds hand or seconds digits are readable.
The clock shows 9:06
